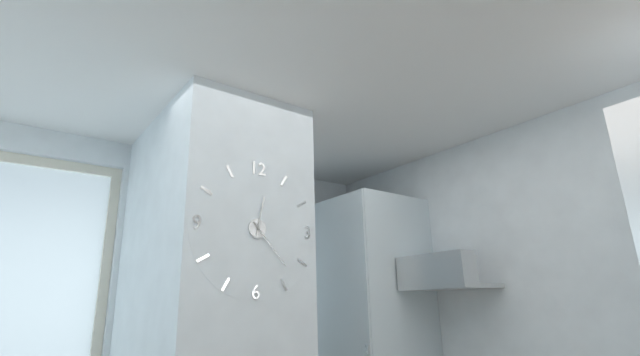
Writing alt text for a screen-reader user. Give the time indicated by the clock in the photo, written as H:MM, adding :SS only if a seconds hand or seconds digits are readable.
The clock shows 12:23
